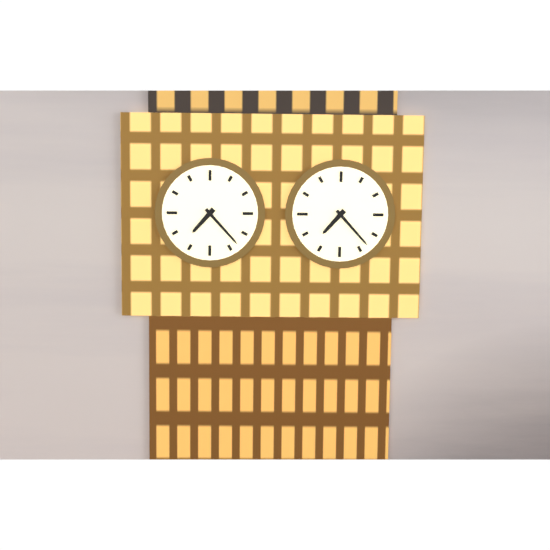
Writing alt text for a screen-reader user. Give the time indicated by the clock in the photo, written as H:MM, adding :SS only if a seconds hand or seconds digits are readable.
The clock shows 7:23
